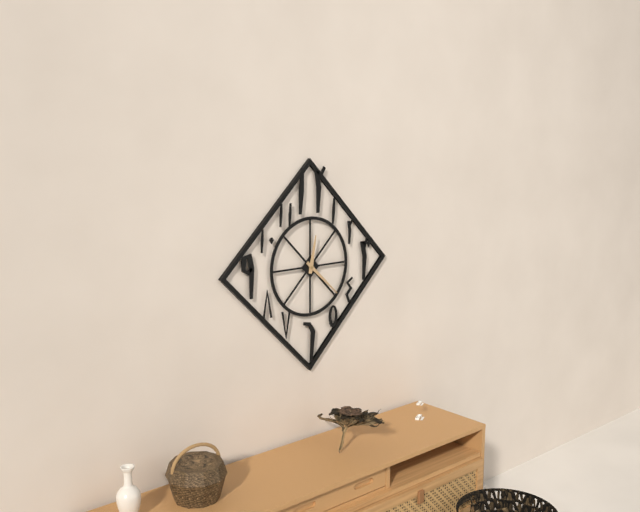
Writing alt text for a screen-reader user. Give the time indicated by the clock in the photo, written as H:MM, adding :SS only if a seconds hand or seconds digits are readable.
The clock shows 12:22
